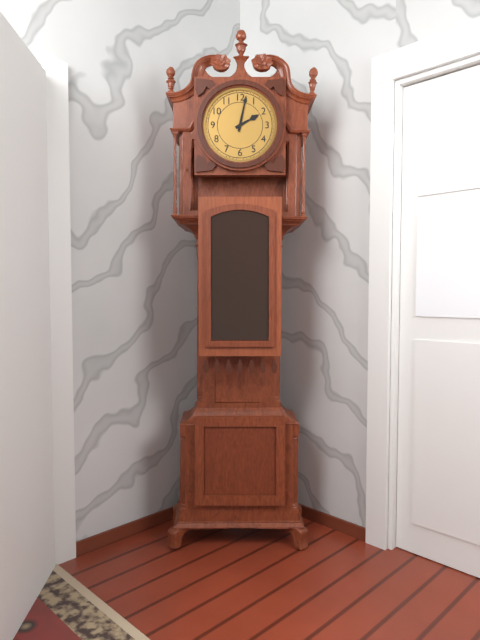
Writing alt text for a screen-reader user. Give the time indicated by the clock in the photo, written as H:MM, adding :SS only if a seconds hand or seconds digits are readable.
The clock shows 2:02
